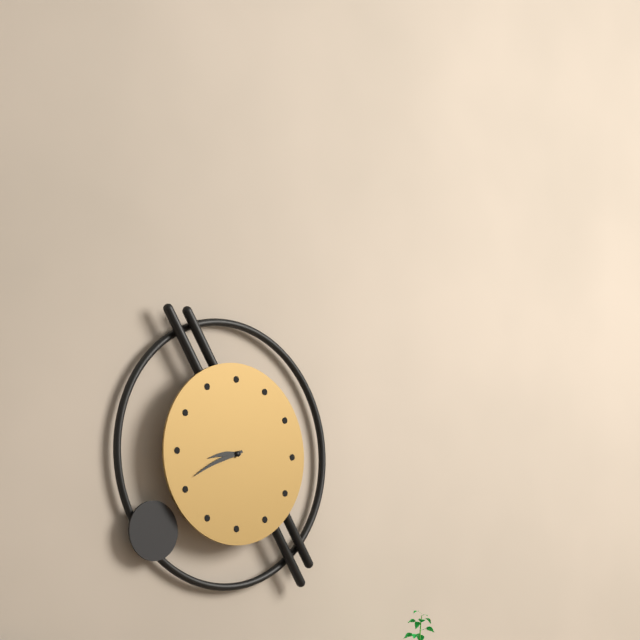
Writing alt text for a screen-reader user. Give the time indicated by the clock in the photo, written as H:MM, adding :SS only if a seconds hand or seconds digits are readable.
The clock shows 8:41
